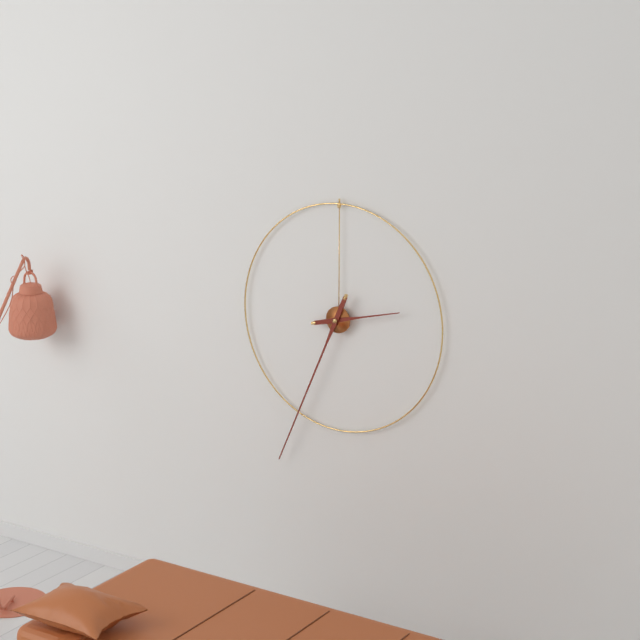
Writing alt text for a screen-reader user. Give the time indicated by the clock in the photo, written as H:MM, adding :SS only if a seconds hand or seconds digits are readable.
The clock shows 2:34
